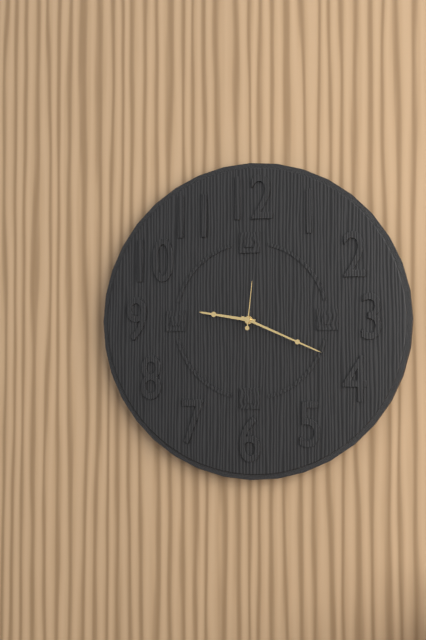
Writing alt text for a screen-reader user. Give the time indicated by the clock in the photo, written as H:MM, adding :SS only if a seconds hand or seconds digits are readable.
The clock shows 9:19:01
